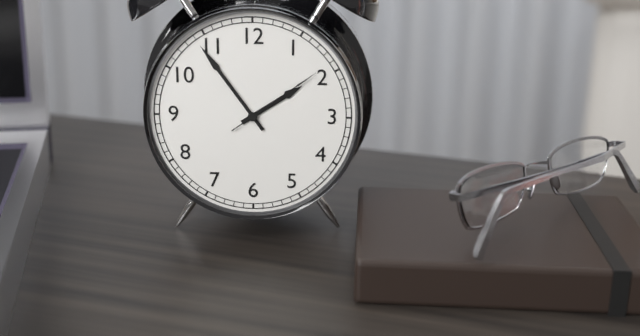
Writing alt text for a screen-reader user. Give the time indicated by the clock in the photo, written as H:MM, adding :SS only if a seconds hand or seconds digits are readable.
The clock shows 1:54:09
